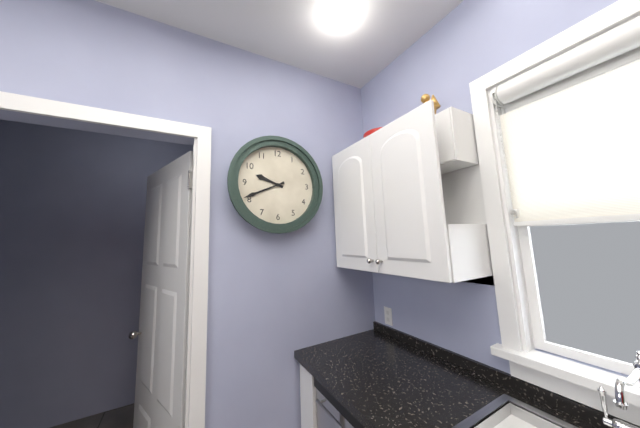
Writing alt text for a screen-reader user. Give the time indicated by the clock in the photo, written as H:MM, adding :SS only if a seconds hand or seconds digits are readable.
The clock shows 9:41
